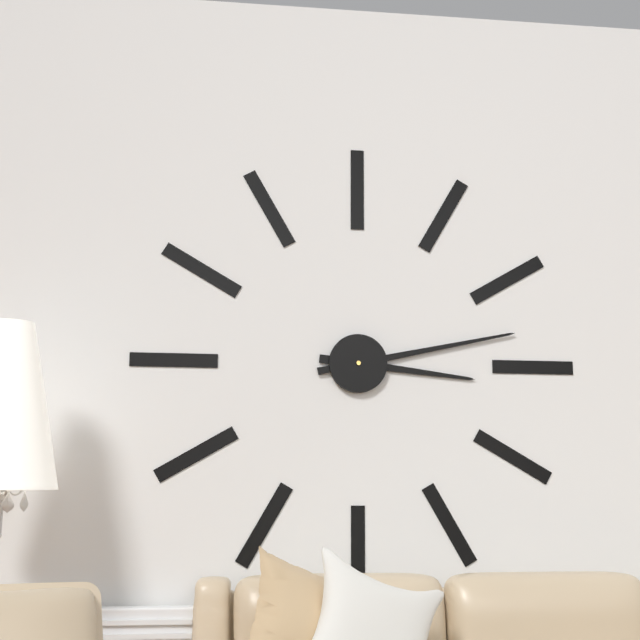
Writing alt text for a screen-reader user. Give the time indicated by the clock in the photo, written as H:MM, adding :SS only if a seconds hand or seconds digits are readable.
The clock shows 3:13
